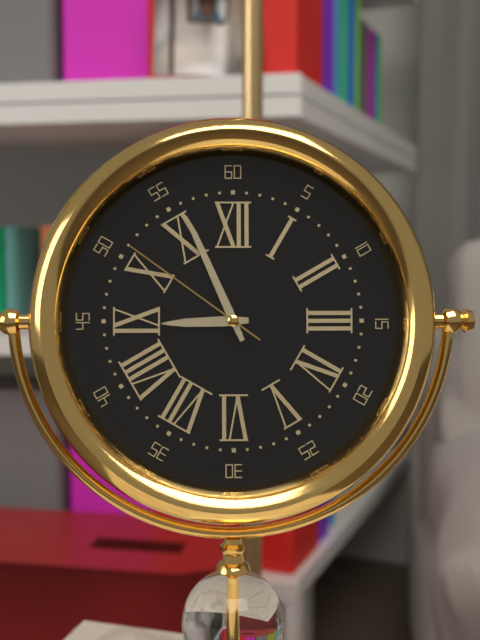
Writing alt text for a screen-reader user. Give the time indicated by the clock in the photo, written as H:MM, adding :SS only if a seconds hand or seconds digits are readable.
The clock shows 8:56:51
